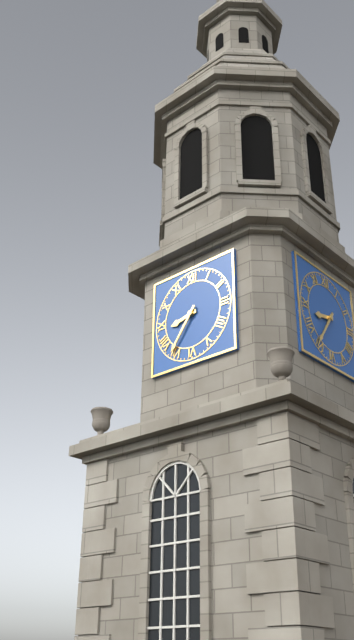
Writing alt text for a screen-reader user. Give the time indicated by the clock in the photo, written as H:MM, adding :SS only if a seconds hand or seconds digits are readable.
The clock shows 8:36
